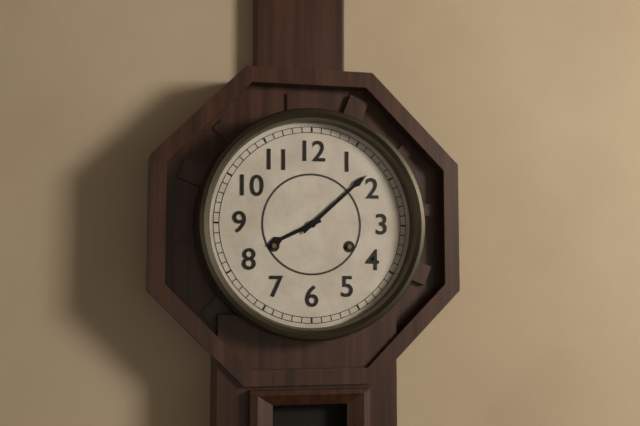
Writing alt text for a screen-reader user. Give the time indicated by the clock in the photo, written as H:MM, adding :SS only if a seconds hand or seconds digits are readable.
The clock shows 8:08
